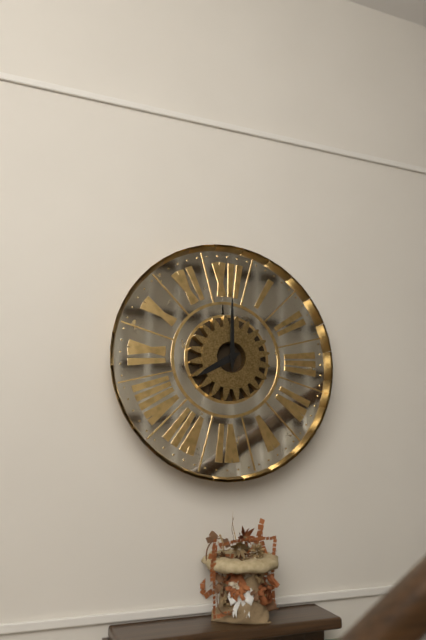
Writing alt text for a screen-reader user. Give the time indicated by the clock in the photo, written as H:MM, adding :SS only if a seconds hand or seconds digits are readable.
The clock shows 8:00
